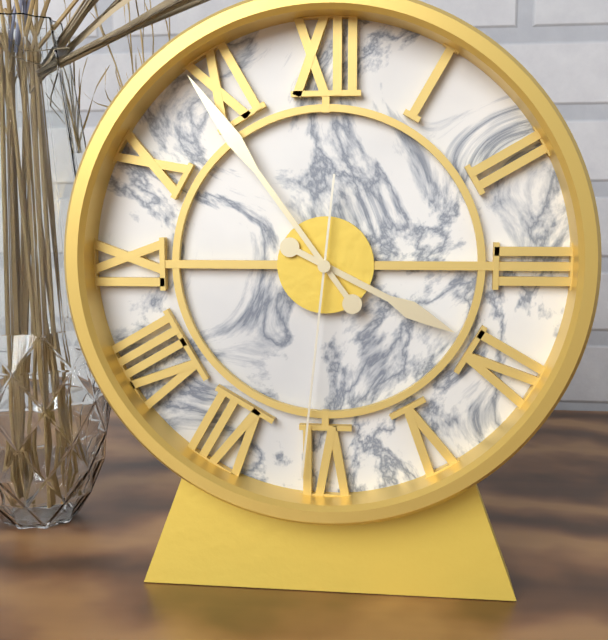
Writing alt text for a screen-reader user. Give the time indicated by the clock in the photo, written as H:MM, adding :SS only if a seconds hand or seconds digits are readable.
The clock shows 3:54:31
